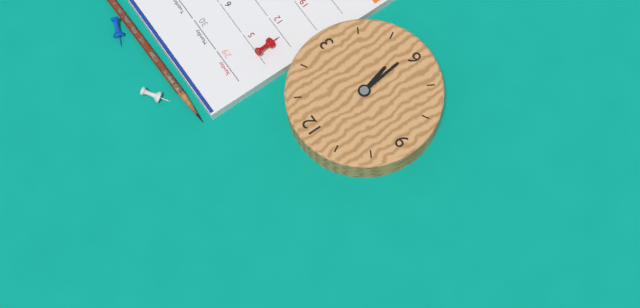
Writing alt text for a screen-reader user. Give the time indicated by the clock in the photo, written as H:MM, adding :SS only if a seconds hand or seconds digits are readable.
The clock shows 5:29
